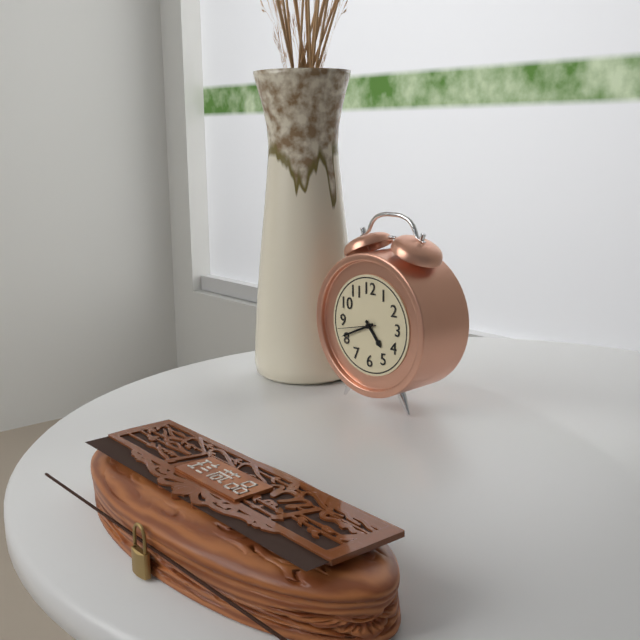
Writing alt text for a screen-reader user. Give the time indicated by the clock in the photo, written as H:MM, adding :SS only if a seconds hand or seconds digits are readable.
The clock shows 4:41
